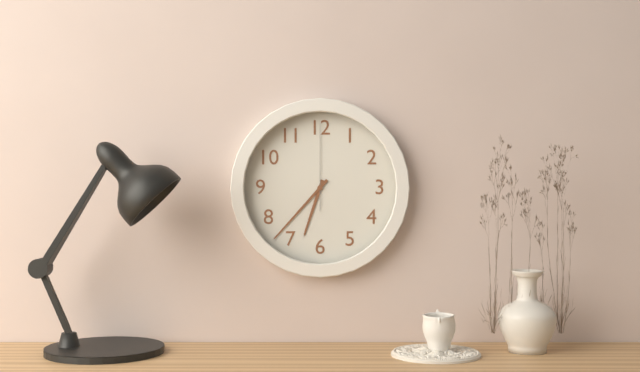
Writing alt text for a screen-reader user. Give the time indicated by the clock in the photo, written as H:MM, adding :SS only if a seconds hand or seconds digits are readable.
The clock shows 6:37:00
